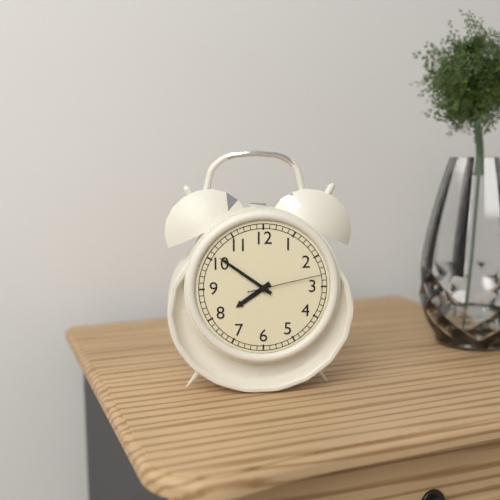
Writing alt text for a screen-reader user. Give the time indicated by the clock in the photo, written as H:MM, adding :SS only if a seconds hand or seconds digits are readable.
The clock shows 7:51:13
